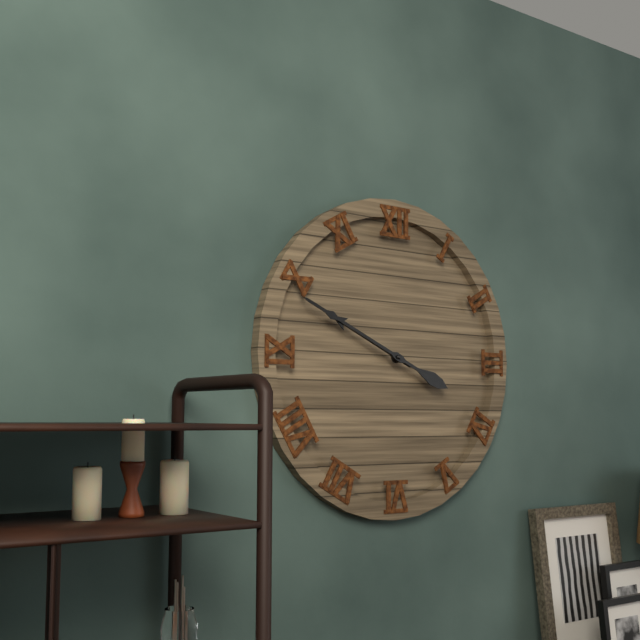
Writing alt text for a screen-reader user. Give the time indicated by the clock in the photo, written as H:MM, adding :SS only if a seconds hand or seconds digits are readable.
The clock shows 9:49
